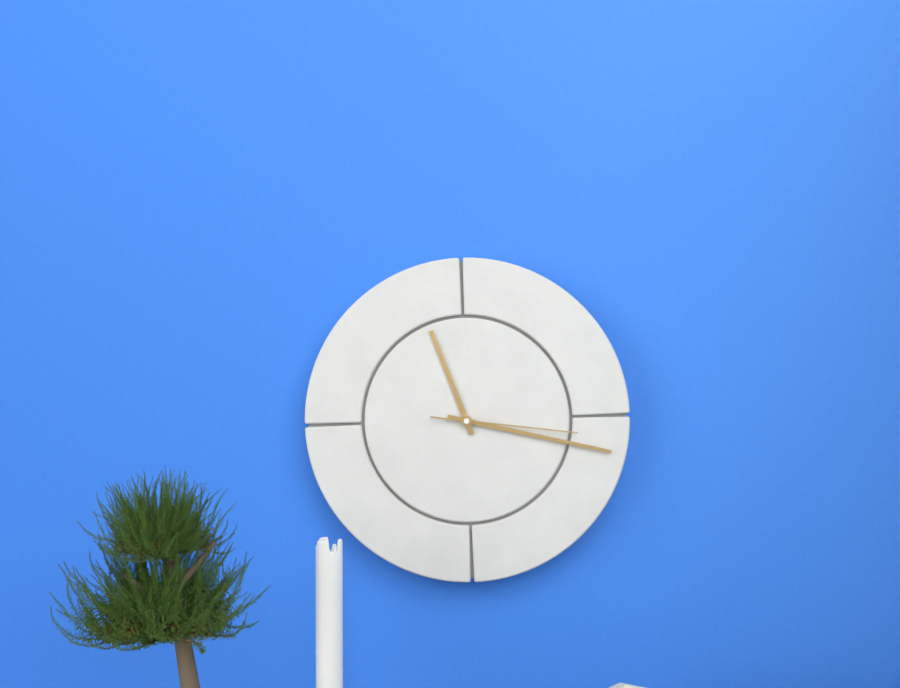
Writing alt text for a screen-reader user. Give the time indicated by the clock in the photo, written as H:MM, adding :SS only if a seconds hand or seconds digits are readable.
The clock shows 11:17:16
